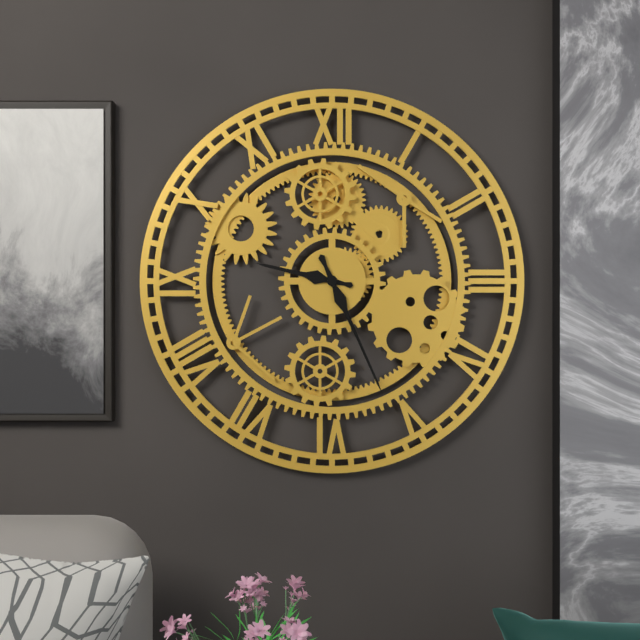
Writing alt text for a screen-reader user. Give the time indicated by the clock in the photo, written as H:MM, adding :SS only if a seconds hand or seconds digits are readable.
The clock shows 9:26
